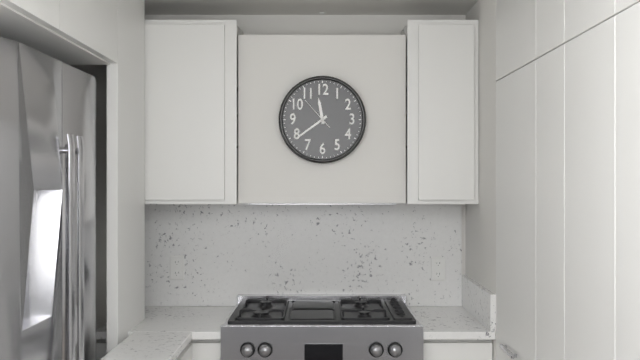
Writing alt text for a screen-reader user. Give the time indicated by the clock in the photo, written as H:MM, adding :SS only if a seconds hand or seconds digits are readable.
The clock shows 11:39
